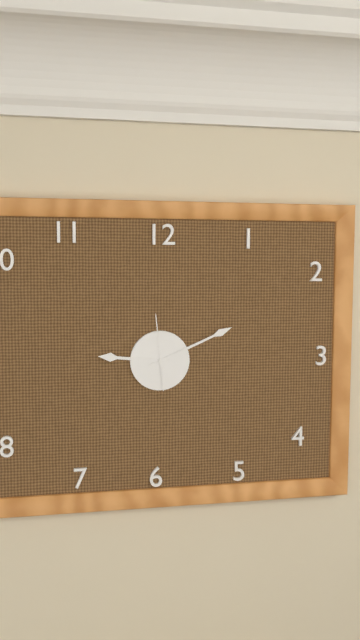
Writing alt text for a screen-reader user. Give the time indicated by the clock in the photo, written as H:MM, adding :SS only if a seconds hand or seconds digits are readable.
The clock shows 9:11:59
